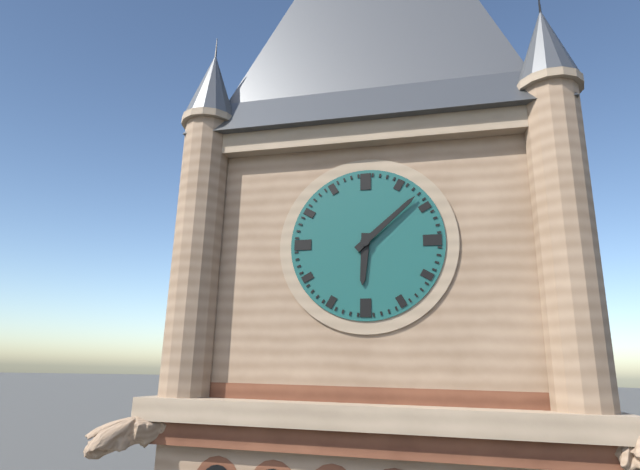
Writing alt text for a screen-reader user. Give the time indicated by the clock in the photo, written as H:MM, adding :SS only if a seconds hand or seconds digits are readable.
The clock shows 6:08
